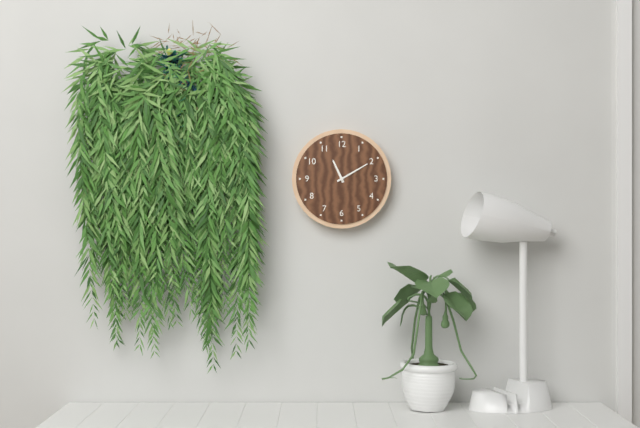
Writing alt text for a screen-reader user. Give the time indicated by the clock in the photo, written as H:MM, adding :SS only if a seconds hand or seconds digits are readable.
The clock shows 11:10
